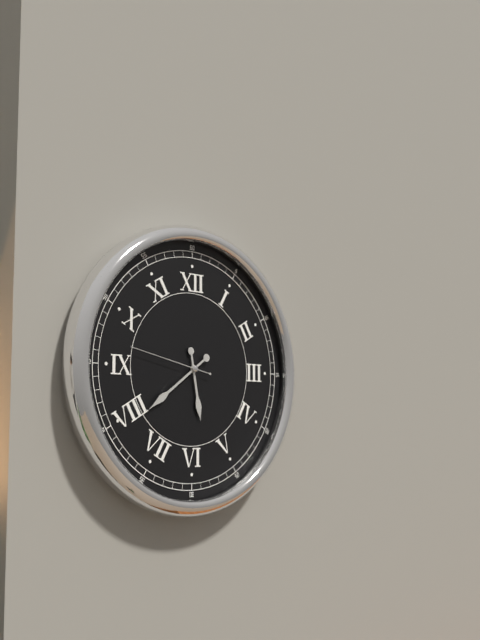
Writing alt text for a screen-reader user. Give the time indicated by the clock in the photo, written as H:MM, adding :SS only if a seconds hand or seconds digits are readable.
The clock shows 5:39:47
